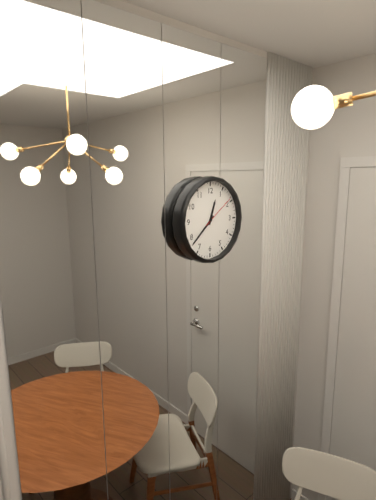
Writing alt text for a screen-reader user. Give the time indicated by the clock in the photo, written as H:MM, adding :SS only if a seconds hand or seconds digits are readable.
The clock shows 12:38
